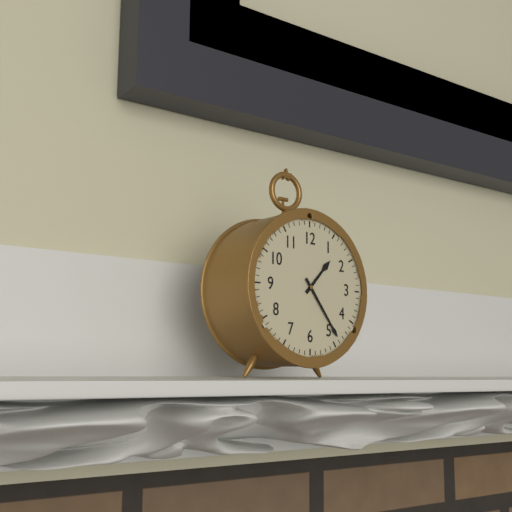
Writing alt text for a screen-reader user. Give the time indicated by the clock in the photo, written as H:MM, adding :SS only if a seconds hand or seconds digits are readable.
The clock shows 1:24
